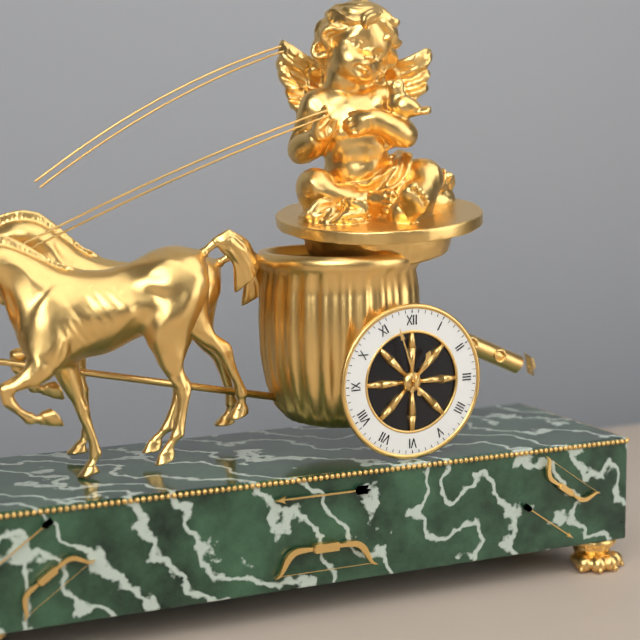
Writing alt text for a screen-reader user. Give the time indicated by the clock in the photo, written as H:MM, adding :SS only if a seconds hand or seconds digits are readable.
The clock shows 12:57
